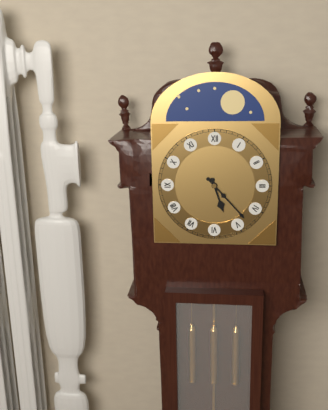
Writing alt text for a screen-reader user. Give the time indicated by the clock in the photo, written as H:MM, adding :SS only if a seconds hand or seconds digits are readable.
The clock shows 5:23
